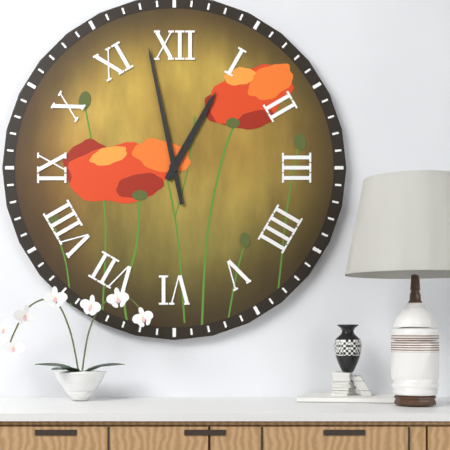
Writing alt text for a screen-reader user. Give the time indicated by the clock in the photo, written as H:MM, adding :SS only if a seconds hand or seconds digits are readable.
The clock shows 12:58
